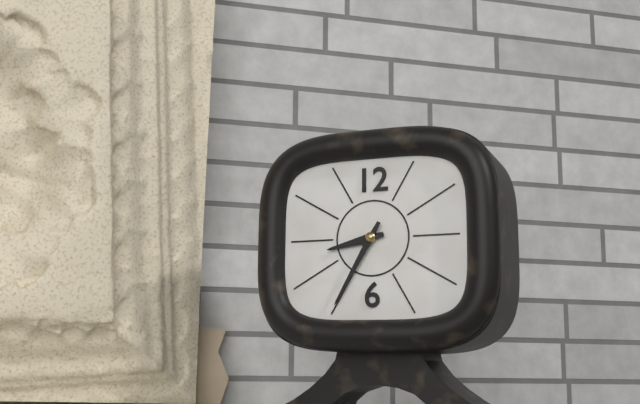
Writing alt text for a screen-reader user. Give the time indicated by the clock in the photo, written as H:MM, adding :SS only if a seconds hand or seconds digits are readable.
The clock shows 8:35
